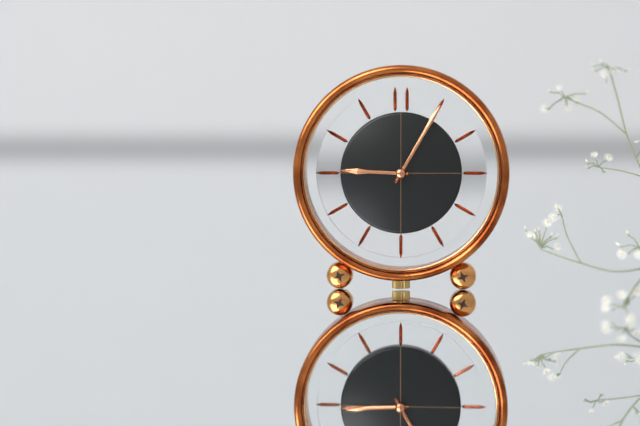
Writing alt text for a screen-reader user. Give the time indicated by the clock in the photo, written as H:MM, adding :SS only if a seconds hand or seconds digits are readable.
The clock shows 9:05
